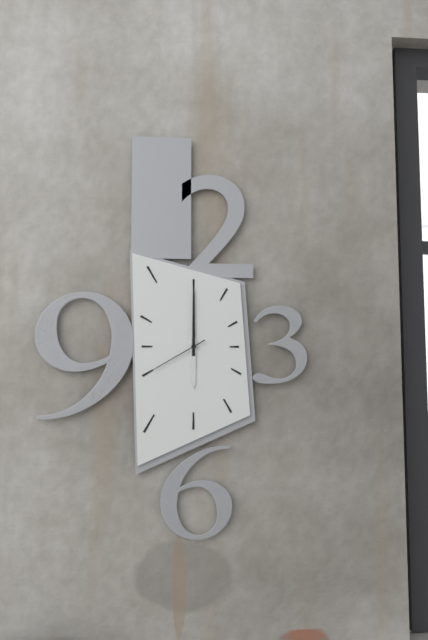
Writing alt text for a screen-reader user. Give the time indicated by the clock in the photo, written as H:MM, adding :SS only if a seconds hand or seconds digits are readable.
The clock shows 6:00:40
